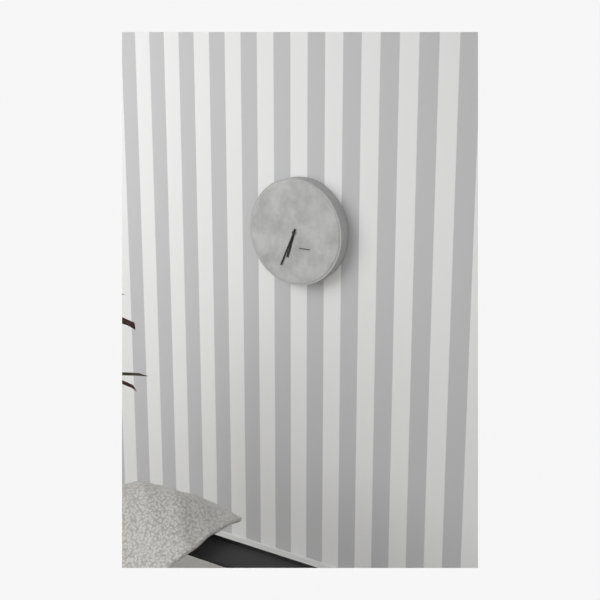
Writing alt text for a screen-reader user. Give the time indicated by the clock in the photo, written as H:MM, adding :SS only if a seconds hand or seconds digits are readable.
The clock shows 6:34
